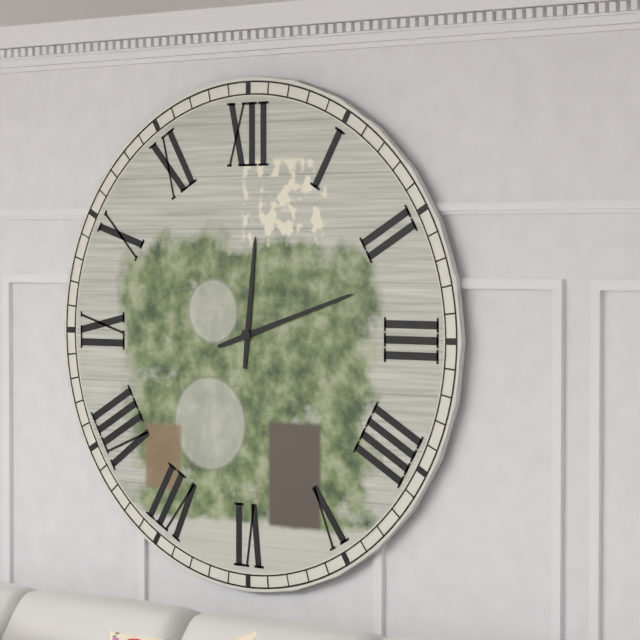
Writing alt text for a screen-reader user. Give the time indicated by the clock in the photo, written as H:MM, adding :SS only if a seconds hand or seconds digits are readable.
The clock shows 12:12
